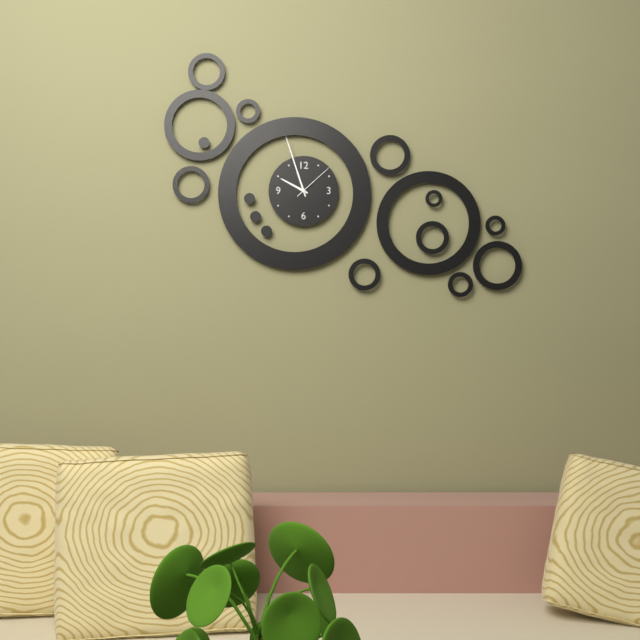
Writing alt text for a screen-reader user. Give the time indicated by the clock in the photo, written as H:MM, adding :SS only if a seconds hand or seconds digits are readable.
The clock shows 9:57
